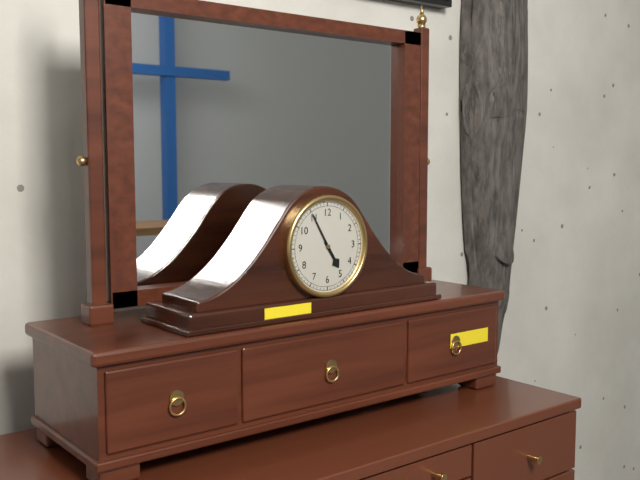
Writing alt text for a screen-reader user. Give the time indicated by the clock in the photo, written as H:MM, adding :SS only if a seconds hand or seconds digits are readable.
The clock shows 4:55
